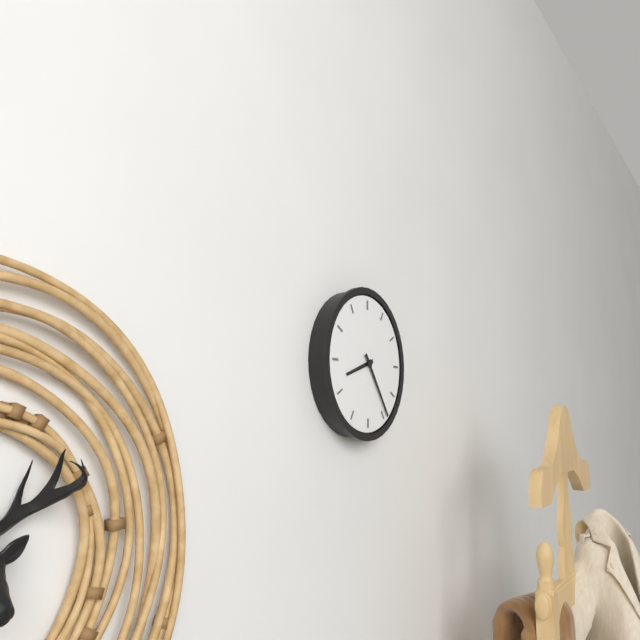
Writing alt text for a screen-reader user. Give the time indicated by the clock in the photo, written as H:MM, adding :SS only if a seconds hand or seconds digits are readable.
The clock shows 8:24
